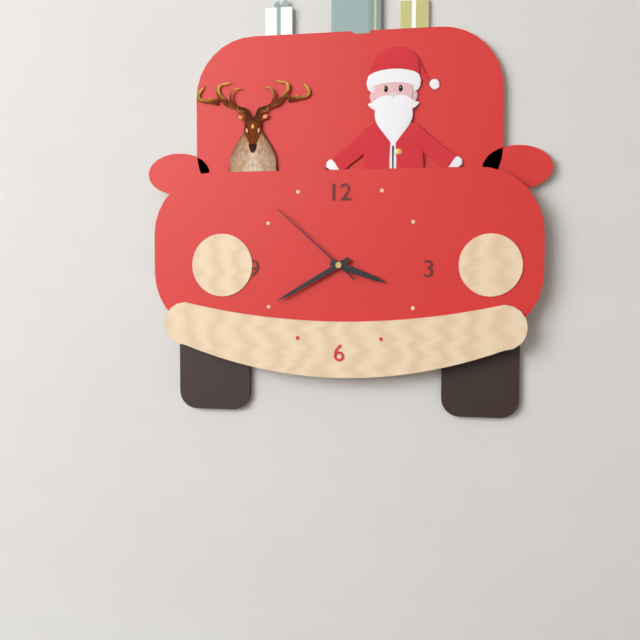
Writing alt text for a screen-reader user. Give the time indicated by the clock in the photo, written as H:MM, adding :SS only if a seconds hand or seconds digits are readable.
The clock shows 3:40:52
